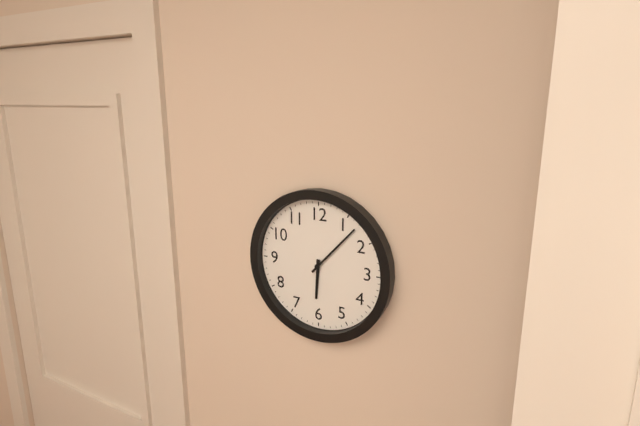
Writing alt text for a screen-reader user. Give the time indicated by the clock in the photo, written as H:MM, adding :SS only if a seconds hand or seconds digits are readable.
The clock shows 6:07
